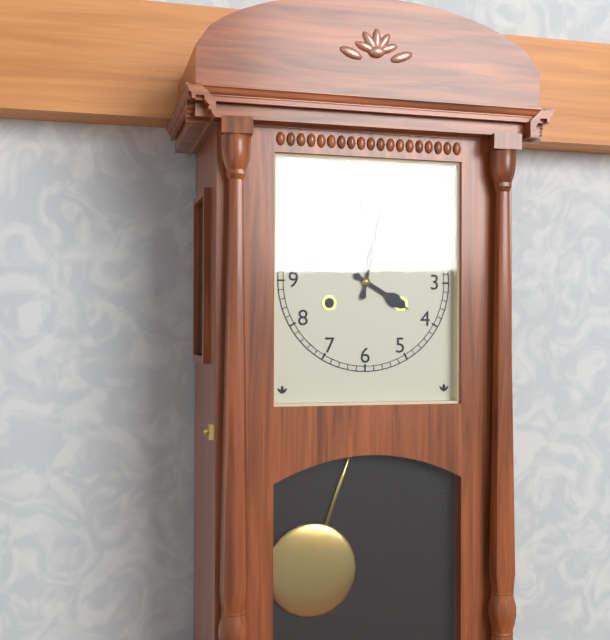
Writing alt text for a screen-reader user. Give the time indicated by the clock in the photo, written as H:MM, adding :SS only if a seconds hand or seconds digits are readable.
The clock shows 4:02
